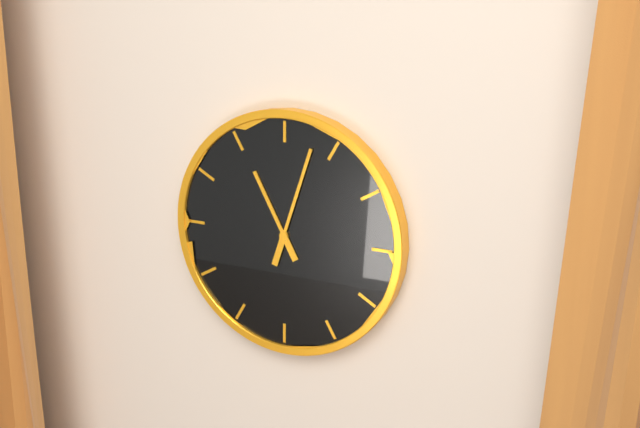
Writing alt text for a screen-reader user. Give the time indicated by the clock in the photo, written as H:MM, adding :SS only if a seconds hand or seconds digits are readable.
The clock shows 11:03
